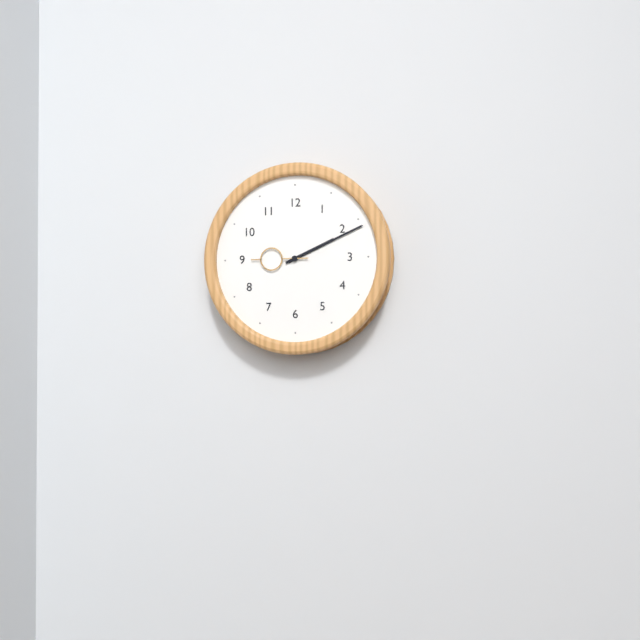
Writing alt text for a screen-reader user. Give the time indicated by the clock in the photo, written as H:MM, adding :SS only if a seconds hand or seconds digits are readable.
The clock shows 2:11:45
